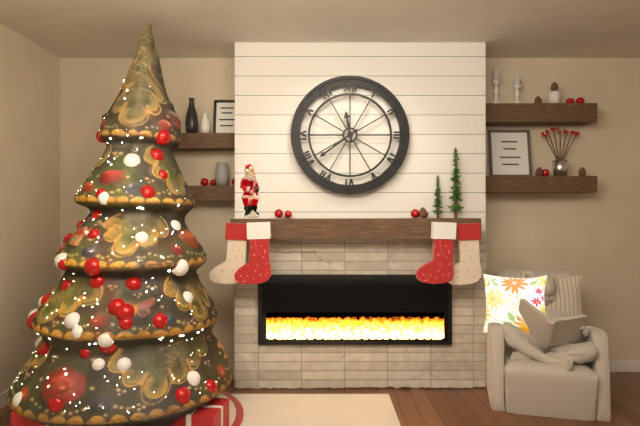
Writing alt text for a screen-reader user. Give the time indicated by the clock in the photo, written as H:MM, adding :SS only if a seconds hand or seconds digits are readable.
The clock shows 11:39
